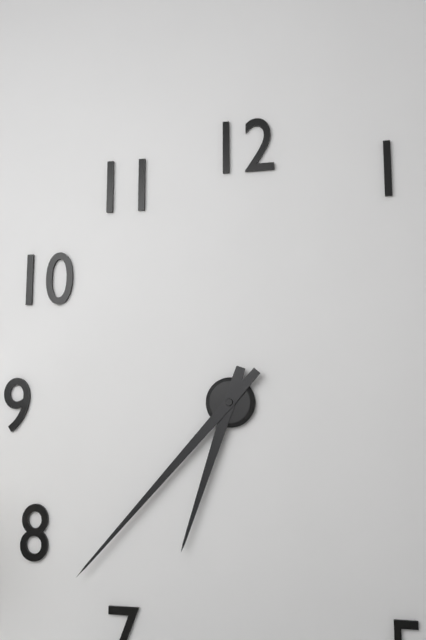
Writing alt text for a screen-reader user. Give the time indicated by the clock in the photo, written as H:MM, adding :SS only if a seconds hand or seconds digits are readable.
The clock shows 6:37
